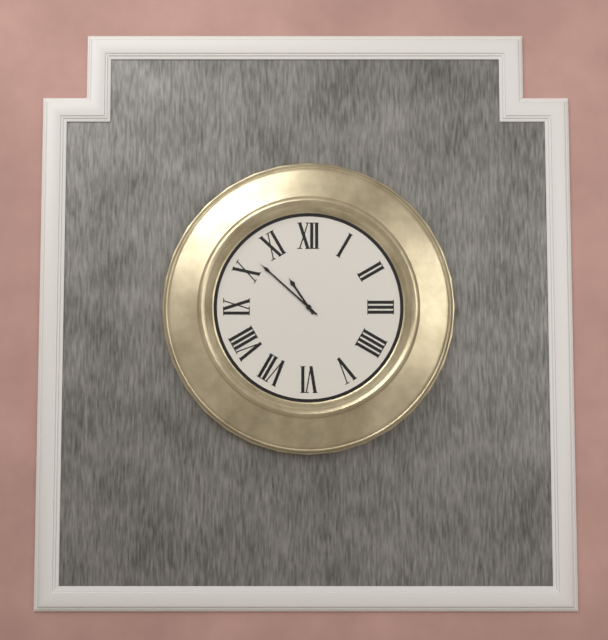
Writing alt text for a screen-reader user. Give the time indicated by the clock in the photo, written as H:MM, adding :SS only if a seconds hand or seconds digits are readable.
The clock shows 10:52
